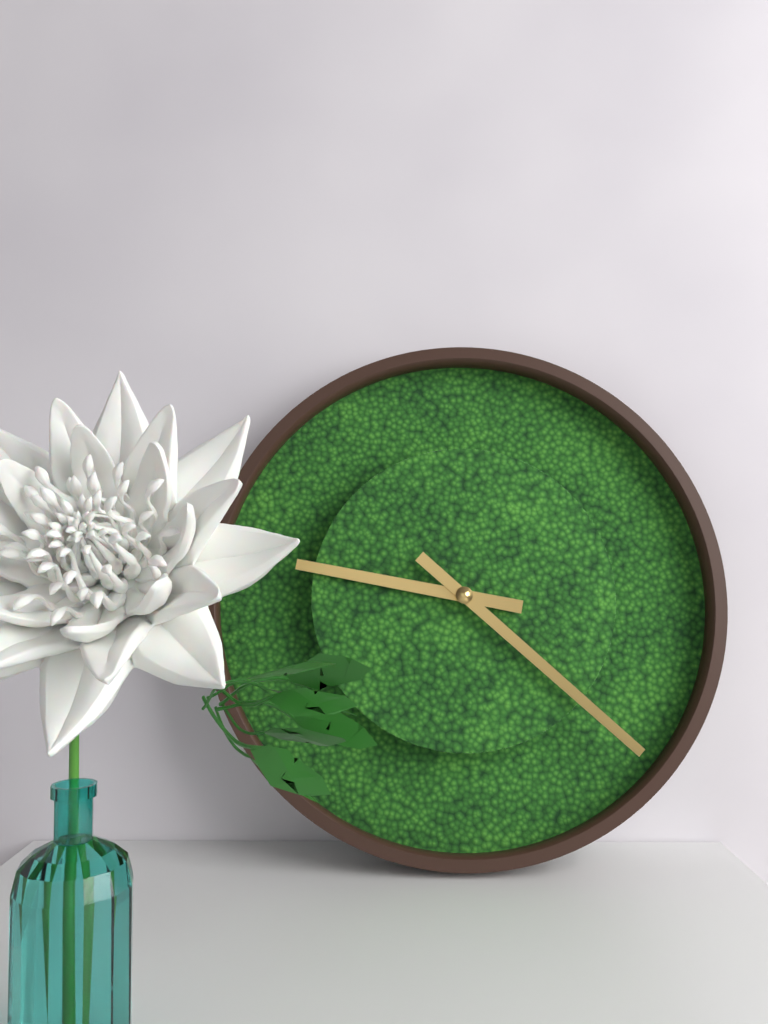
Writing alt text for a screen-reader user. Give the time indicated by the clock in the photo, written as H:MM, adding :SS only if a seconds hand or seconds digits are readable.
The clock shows 9:22
